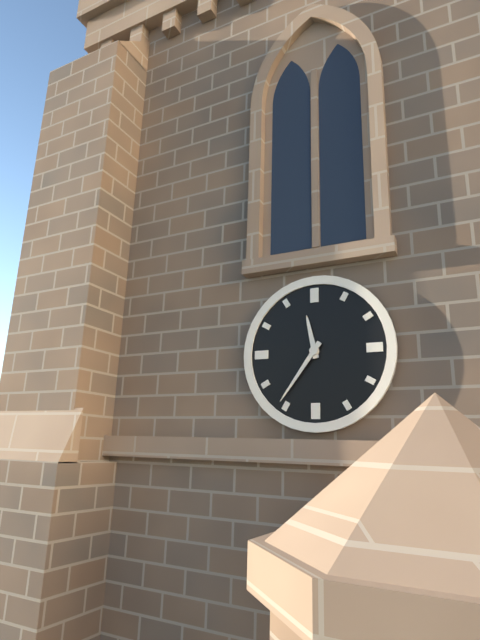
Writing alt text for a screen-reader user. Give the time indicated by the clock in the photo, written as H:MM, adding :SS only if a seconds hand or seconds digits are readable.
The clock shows 11:36
